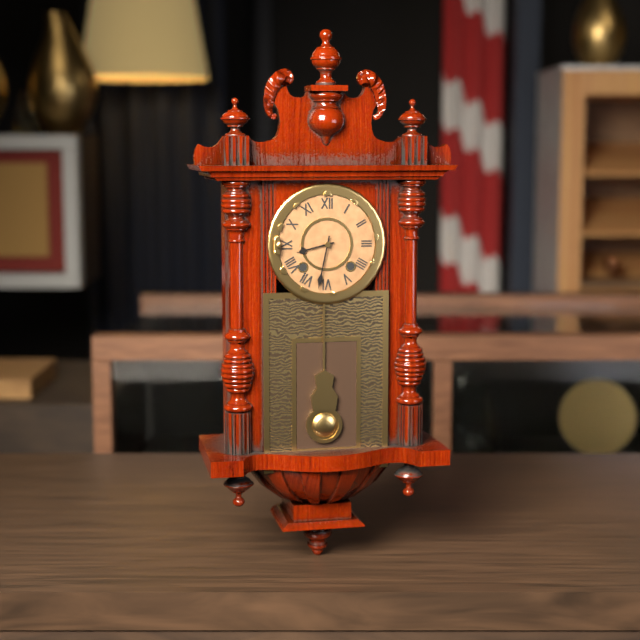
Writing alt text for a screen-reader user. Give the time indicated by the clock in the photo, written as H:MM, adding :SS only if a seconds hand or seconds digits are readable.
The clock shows 8:32
